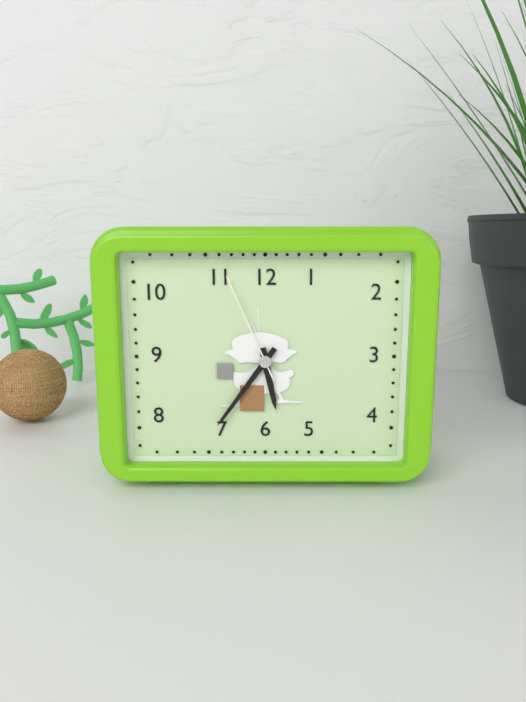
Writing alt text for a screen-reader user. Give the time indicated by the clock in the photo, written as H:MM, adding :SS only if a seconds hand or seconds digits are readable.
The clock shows 5:36:56
